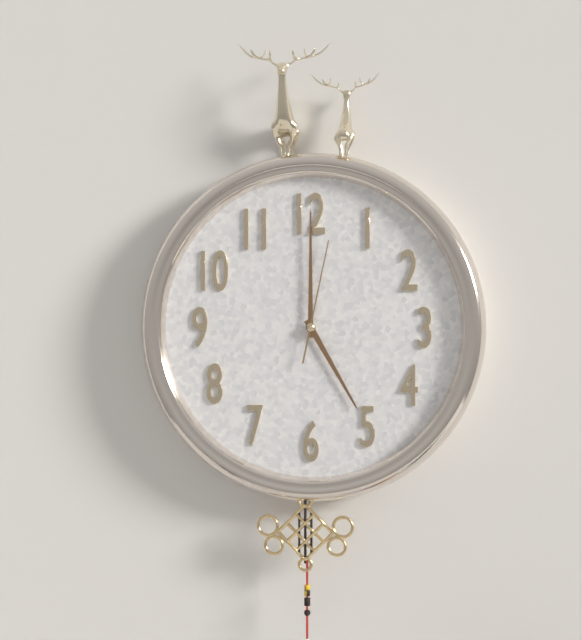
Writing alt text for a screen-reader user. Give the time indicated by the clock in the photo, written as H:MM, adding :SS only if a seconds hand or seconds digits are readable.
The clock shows 5:00:02
